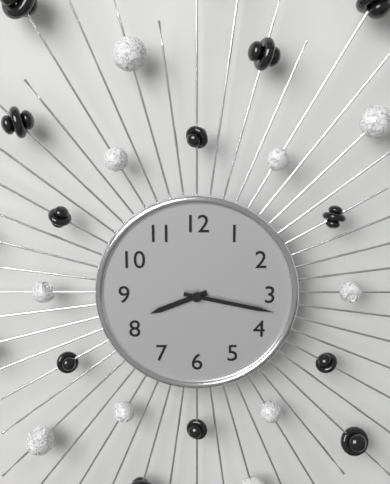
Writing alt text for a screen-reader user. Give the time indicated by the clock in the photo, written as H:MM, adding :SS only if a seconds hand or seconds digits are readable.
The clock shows 8:17
